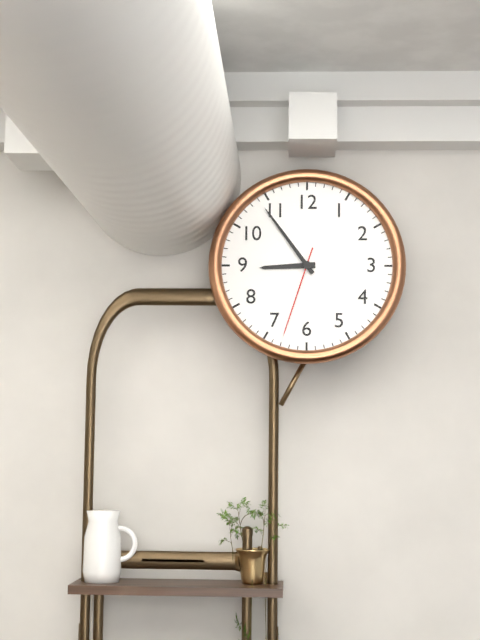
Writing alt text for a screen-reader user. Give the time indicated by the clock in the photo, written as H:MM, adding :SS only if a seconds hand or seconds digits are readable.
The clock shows 8:54:33
